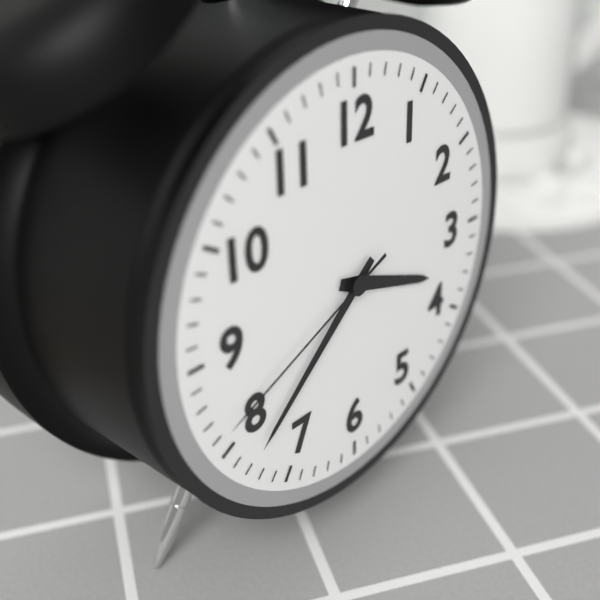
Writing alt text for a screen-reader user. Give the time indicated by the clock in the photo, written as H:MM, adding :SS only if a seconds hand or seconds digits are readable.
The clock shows 3:38:41
